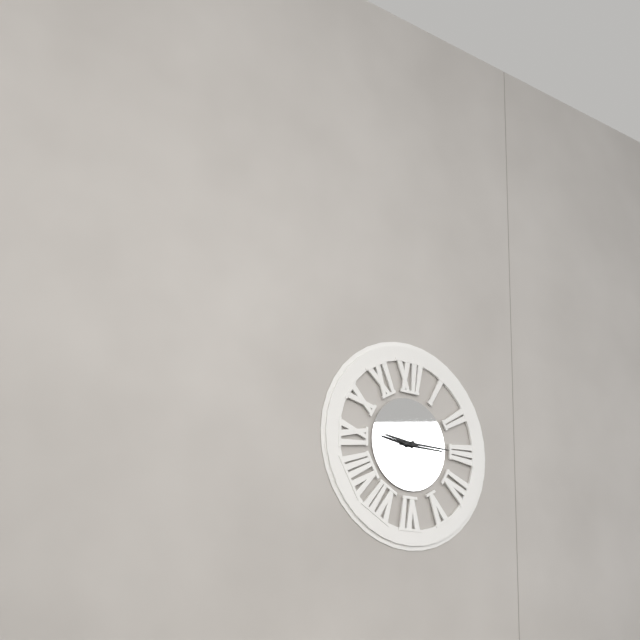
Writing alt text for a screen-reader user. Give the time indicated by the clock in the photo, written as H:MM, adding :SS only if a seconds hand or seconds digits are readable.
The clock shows 9:15
